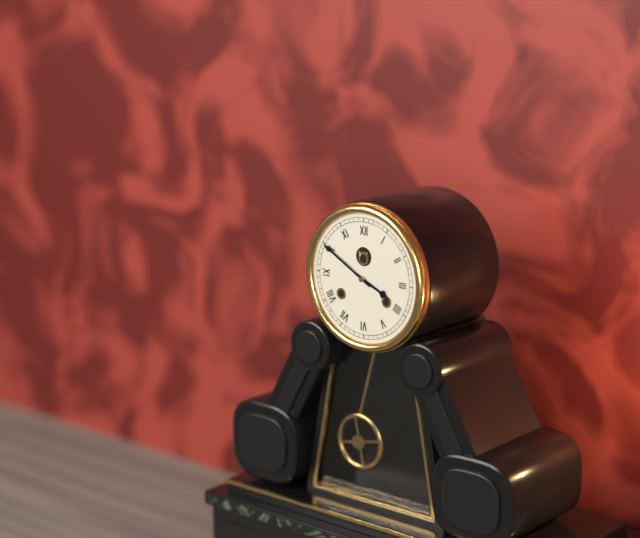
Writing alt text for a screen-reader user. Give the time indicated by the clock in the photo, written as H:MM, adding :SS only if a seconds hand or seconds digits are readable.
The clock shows 3:50
